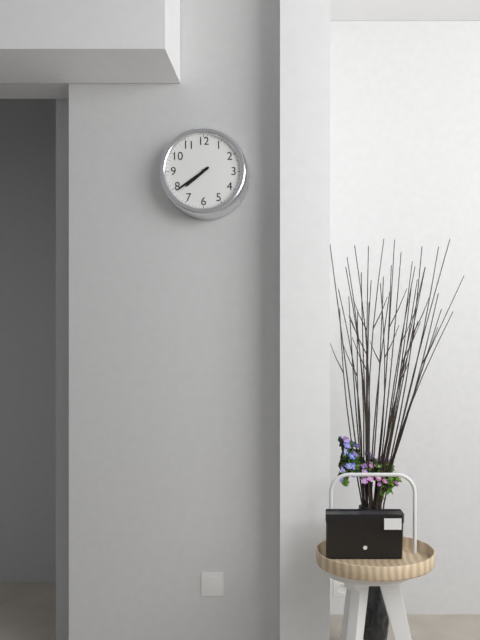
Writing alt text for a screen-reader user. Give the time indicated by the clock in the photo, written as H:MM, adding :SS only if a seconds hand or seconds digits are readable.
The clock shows 7:39
